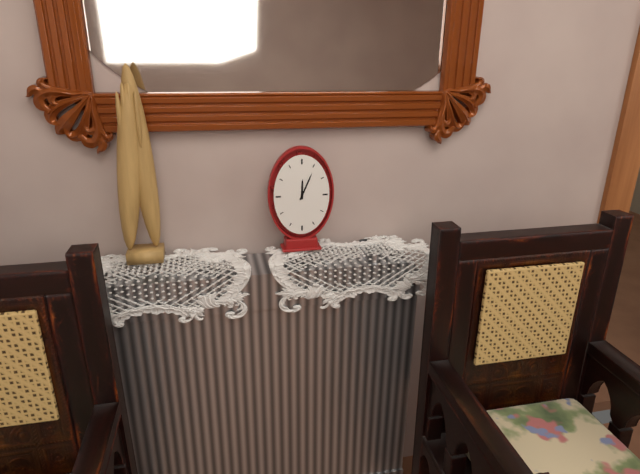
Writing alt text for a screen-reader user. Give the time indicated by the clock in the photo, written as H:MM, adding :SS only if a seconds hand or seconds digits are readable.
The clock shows 12:04
